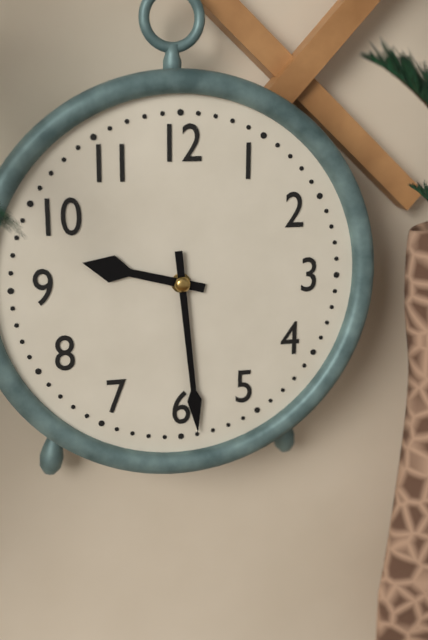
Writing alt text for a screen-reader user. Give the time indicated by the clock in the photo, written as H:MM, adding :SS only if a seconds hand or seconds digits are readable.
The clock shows 9:29
